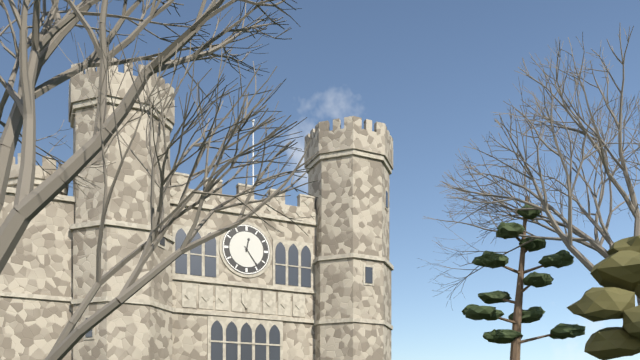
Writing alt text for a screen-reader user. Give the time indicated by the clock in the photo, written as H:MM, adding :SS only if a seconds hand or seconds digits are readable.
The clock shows 12:24
